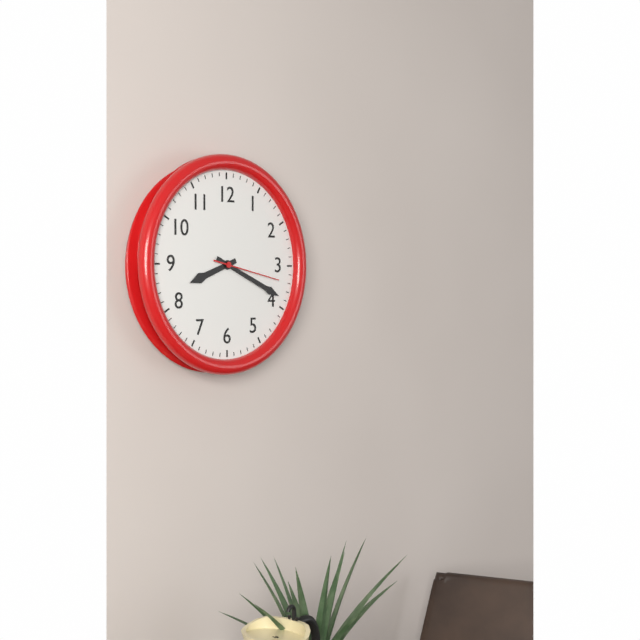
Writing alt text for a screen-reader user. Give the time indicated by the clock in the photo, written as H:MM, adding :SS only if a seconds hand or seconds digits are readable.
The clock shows 8:19:17
